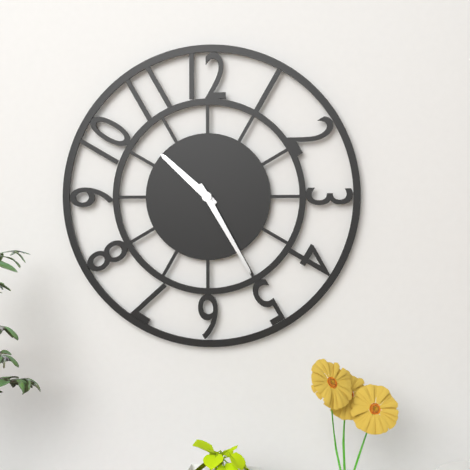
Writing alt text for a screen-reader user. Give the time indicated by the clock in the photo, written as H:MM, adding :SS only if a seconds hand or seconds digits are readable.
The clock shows 10:25
